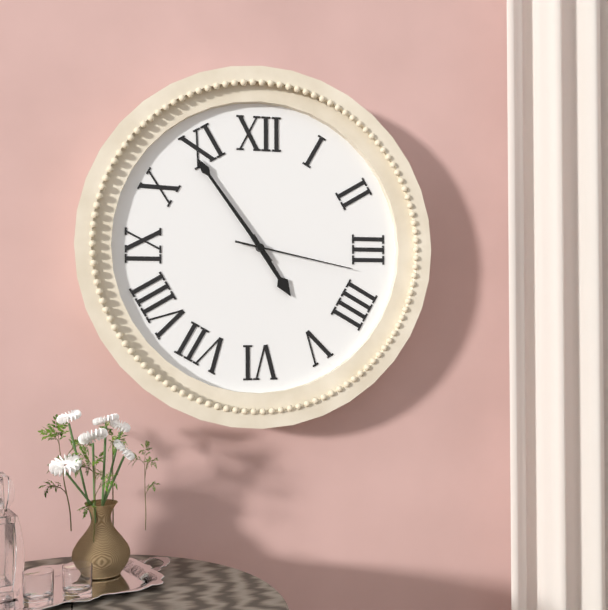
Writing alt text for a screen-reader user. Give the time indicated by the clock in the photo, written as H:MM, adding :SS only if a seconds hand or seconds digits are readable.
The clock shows 4:54:17
